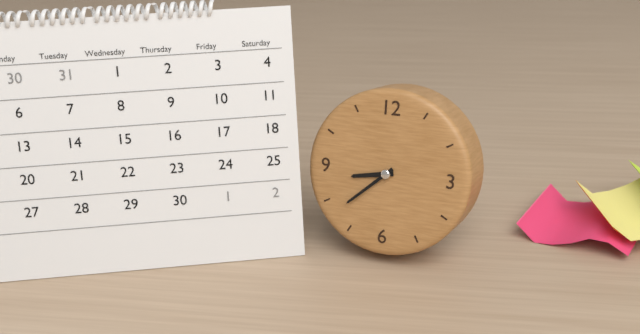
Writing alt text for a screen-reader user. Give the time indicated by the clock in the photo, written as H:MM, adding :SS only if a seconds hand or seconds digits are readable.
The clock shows 8:38
